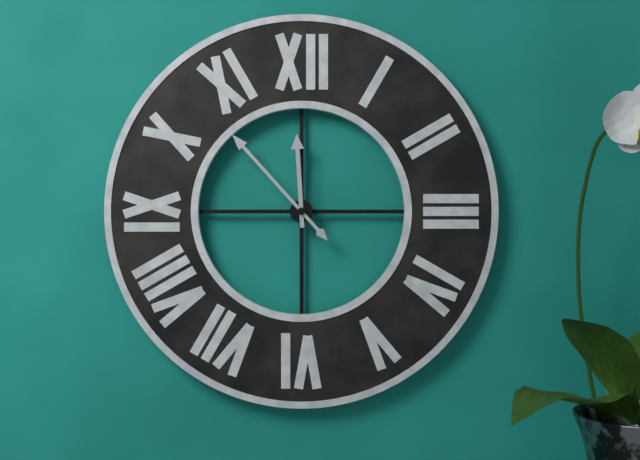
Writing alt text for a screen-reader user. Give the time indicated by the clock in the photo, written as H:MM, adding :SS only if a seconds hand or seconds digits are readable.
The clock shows 11:53
